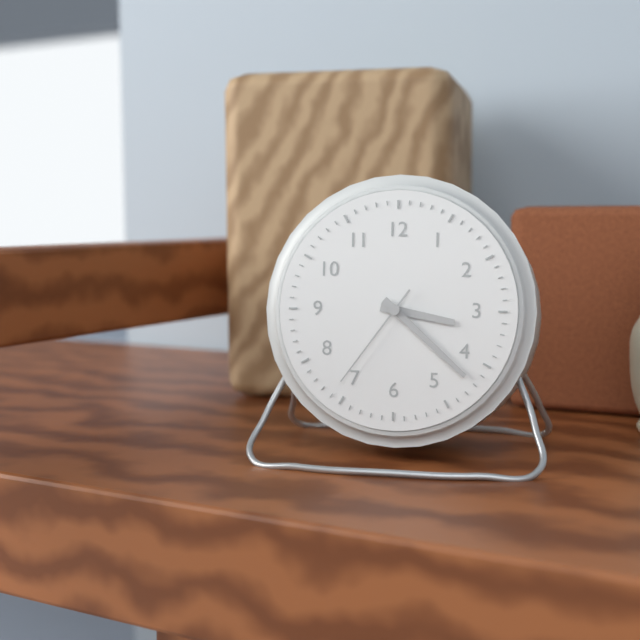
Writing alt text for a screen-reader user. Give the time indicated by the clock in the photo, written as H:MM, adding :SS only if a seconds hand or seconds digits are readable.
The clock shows 3:22:36
